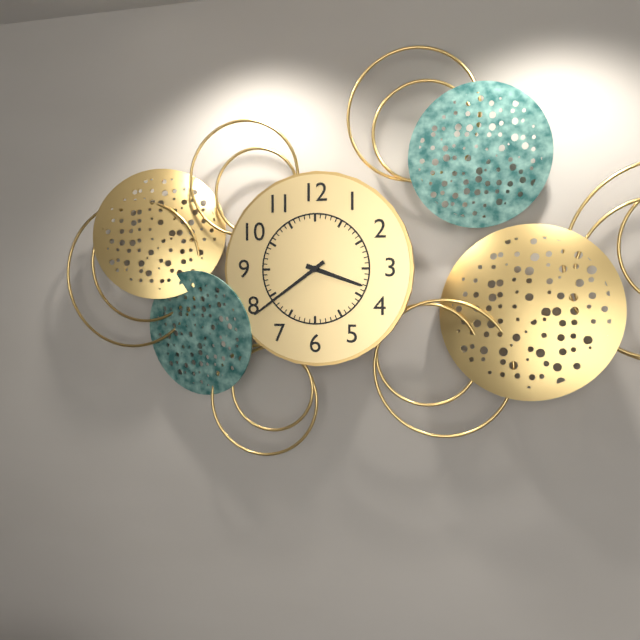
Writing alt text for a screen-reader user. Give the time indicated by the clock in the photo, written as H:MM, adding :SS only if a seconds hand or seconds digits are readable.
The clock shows 3:39
